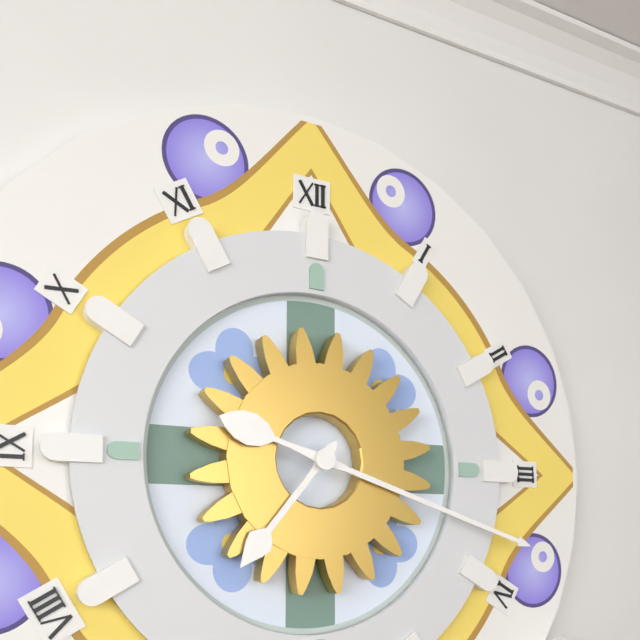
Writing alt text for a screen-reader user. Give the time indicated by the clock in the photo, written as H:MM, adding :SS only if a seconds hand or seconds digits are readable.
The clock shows 7:18
